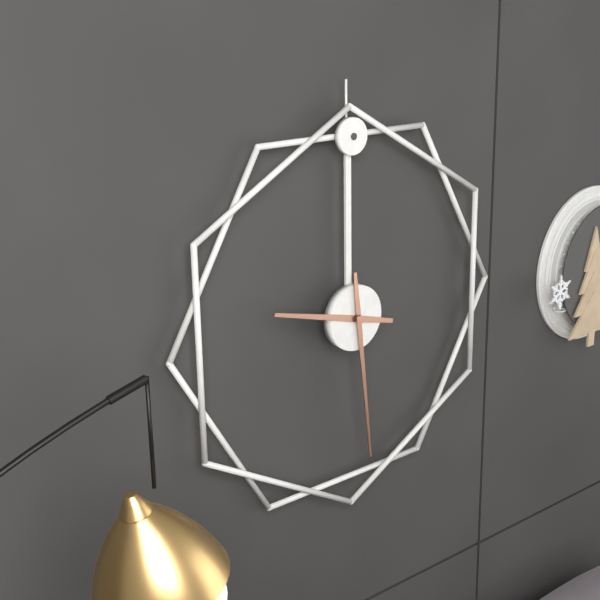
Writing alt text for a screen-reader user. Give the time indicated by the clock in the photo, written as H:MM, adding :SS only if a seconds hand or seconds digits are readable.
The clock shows 9:29
